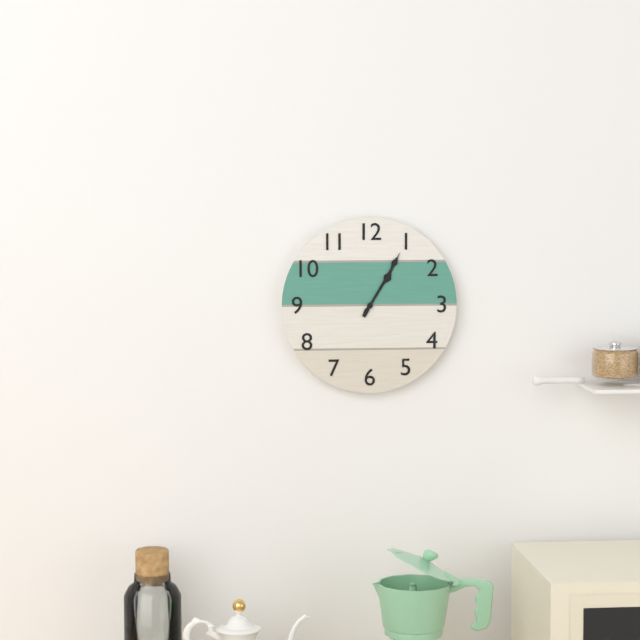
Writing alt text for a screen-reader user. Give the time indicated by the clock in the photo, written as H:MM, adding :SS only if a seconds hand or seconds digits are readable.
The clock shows 1:05
